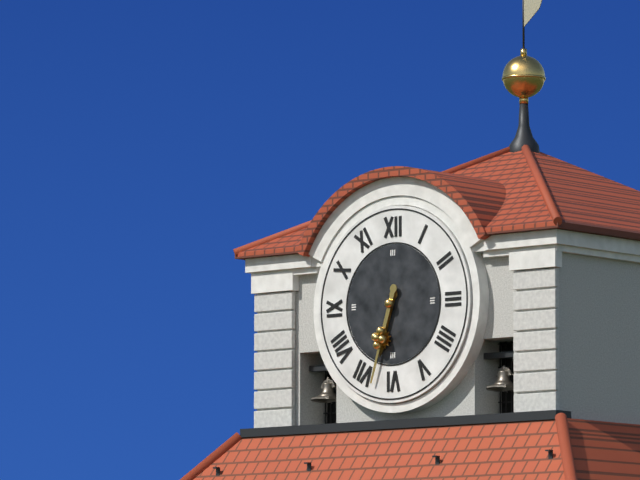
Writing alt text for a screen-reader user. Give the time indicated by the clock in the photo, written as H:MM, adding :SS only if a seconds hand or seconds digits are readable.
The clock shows 6:33
